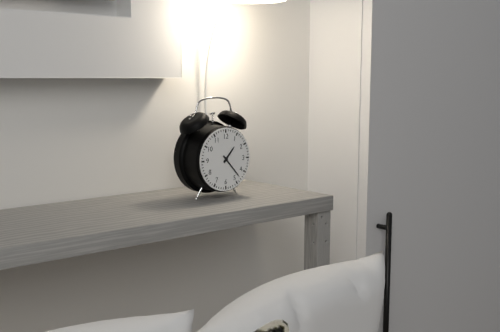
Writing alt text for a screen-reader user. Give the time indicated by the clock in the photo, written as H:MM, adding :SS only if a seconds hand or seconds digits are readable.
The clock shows 1:23
